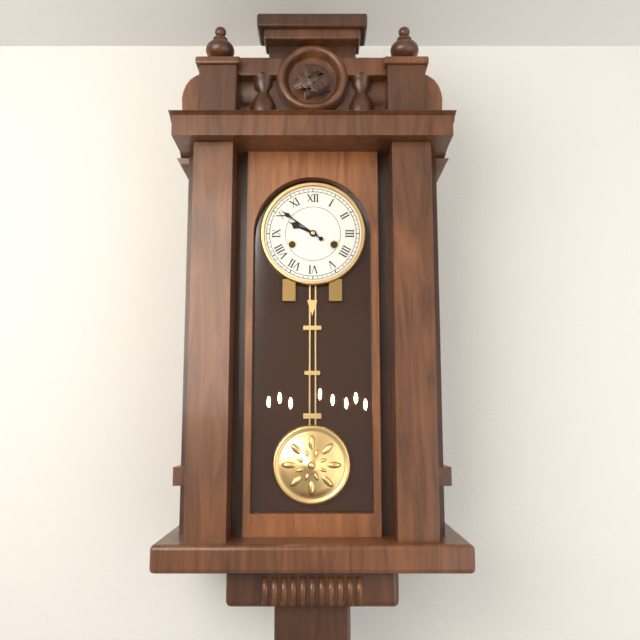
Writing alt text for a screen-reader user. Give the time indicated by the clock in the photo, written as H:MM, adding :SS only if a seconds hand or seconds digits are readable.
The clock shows 9:51
